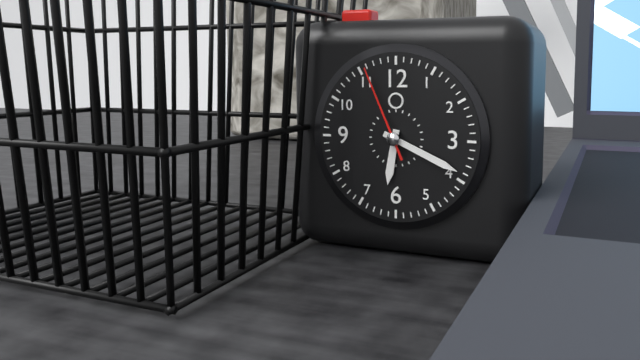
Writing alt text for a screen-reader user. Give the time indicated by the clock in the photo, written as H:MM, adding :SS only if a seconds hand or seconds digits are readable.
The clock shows 6:19:56
